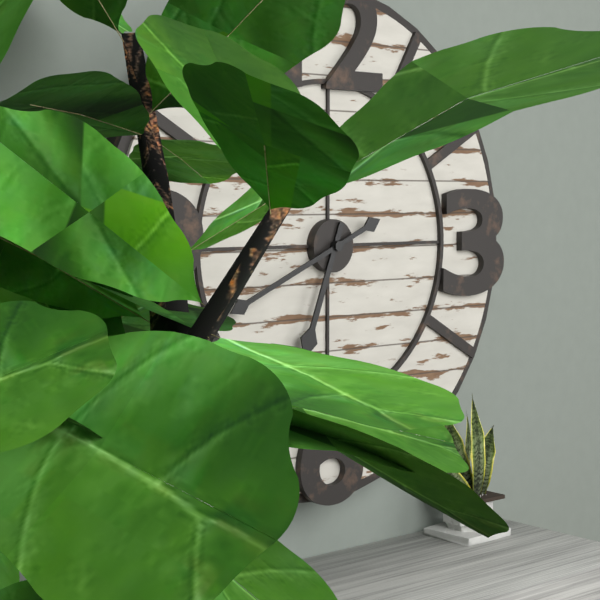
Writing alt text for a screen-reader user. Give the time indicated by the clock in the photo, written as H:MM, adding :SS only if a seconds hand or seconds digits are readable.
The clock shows 6:41
